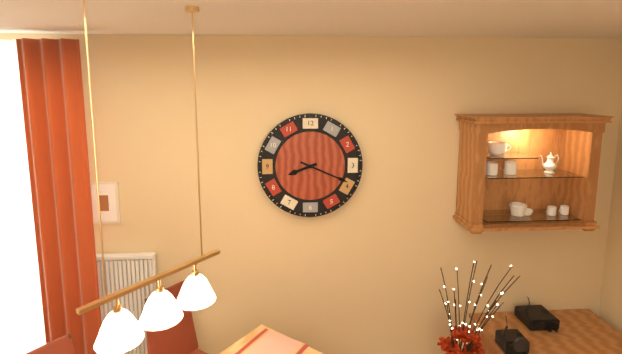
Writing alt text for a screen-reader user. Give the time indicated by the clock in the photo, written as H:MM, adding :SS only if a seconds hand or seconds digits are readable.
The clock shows 8:19
